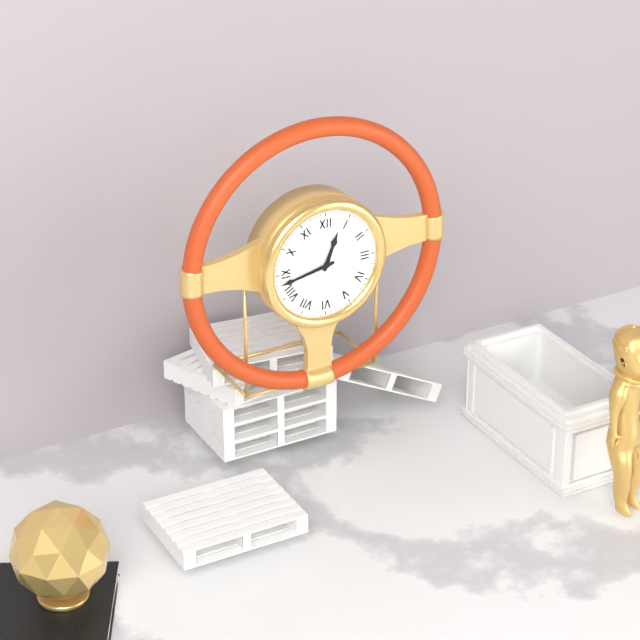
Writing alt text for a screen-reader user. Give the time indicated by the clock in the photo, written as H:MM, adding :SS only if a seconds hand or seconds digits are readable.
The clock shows 12:43
